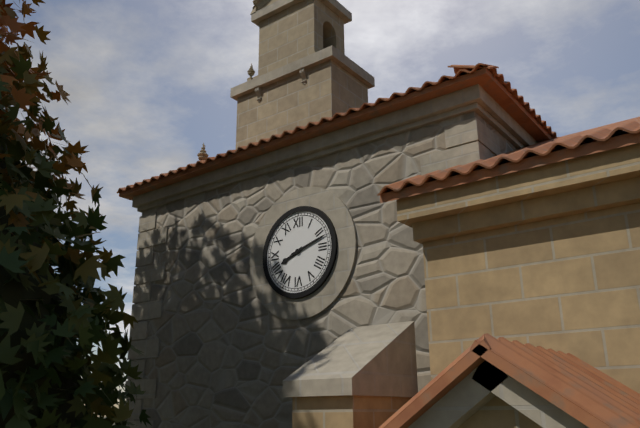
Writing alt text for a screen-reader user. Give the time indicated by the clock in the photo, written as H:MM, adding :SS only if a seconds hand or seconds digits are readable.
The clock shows 8:12
